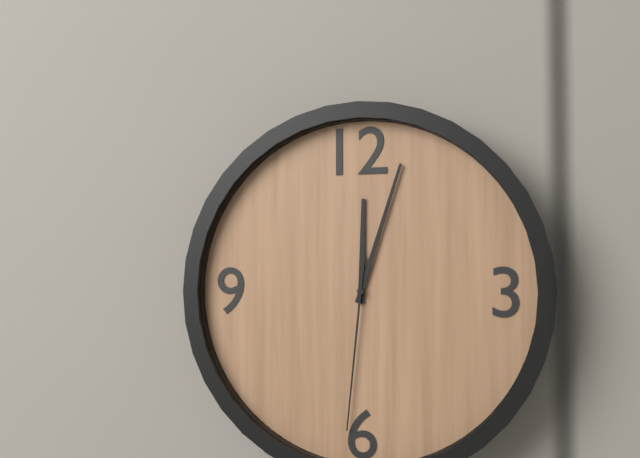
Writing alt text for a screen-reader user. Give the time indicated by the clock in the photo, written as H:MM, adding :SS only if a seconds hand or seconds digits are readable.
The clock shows 12:03:31
